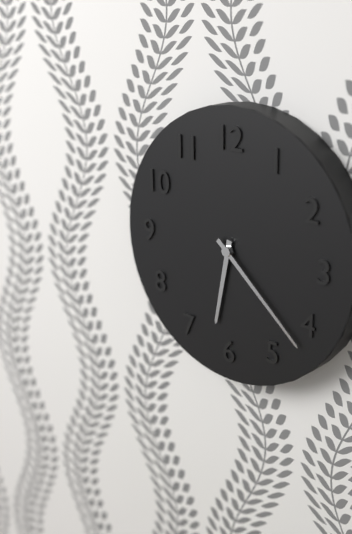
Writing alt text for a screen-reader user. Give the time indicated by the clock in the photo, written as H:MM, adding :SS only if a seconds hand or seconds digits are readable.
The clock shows 6:22
